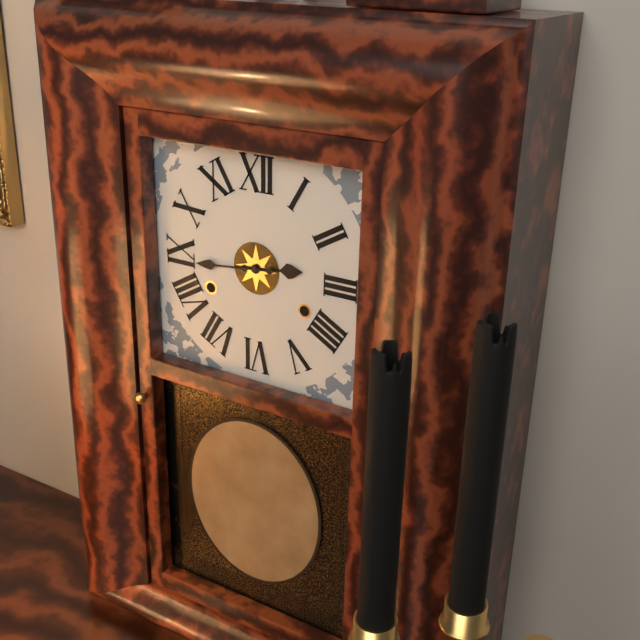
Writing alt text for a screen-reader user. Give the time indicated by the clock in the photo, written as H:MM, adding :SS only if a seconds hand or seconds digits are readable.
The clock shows 2:44
